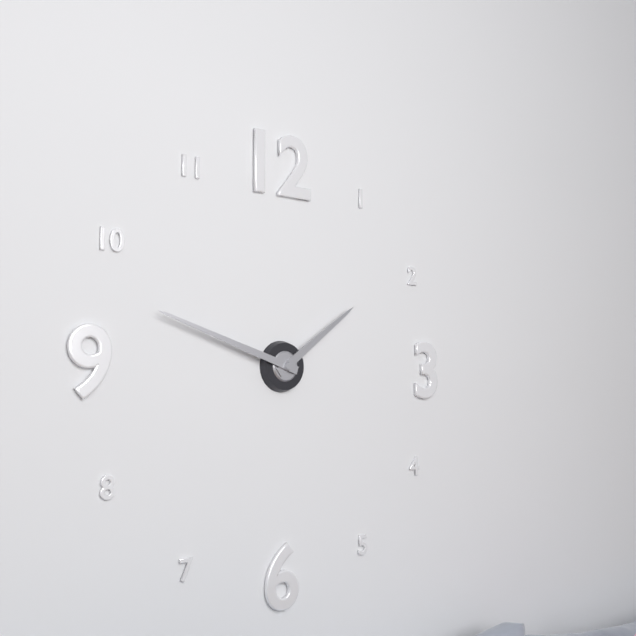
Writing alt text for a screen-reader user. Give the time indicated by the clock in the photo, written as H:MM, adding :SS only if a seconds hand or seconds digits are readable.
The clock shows 1:48
